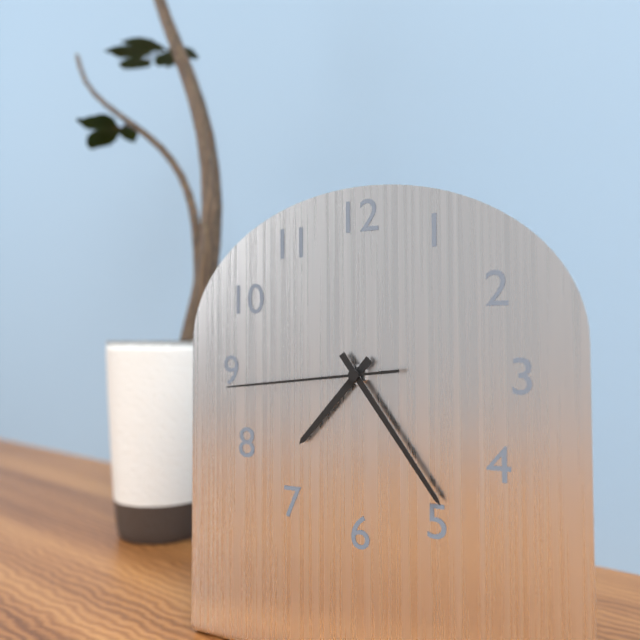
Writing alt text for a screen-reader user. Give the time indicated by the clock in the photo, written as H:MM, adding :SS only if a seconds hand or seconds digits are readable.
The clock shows 7:24:44
